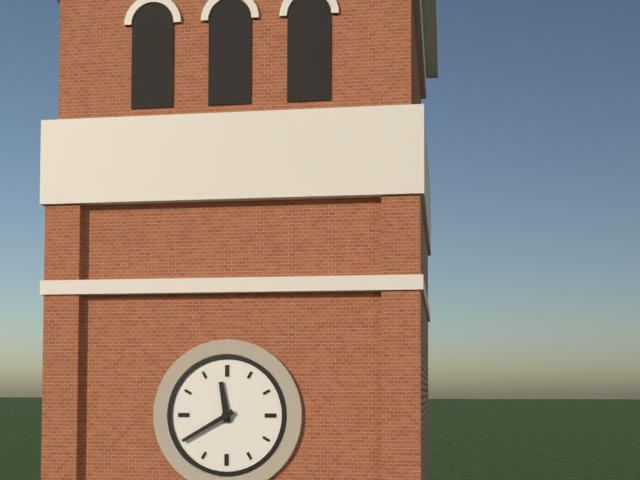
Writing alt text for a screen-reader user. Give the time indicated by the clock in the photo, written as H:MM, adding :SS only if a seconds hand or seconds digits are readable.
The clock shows 11:40
